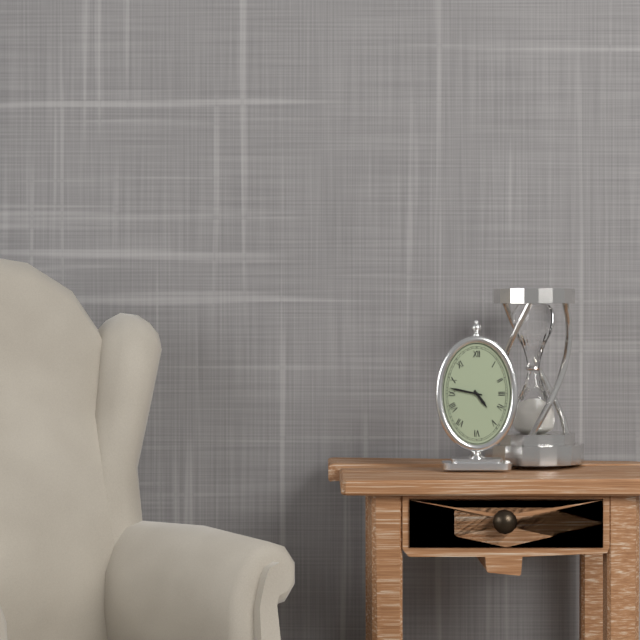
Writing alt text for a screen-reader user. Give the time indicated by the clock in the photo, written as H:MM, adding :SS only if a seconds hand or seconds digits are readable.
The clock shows 4:47
